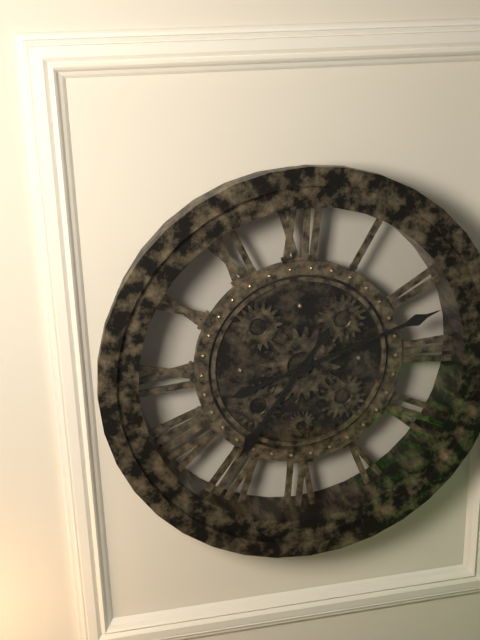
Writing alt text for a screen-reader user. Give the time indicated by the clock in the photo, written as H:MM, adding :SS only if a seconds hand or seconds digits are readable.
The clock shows 7:12
